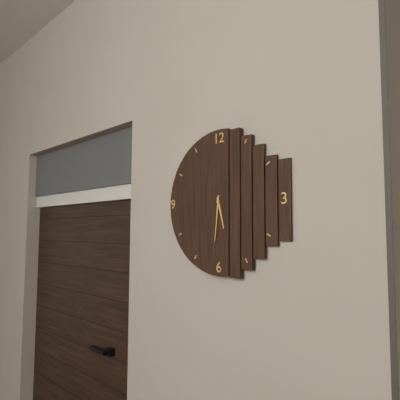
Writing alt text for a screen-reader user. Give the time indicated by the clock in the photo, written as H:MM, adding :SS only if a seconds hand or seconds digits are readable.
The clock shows 5:31
